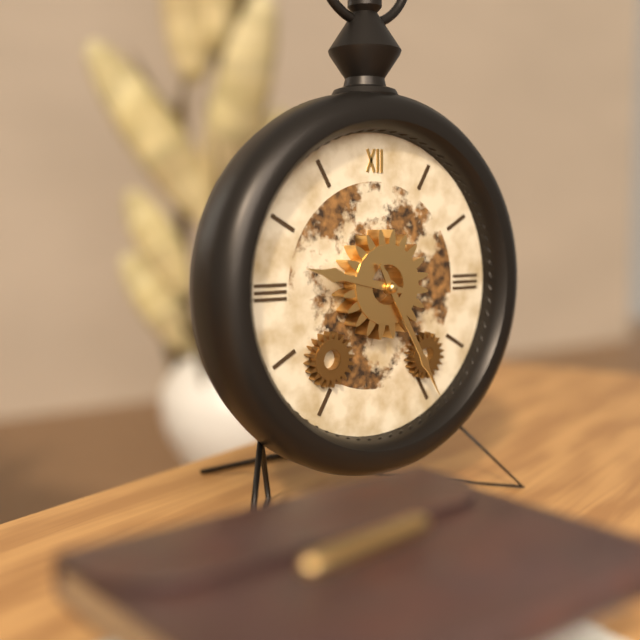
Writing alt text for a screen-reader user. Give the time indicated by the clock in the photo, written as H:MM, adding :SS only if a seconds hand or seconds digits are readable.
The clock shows 9:25
